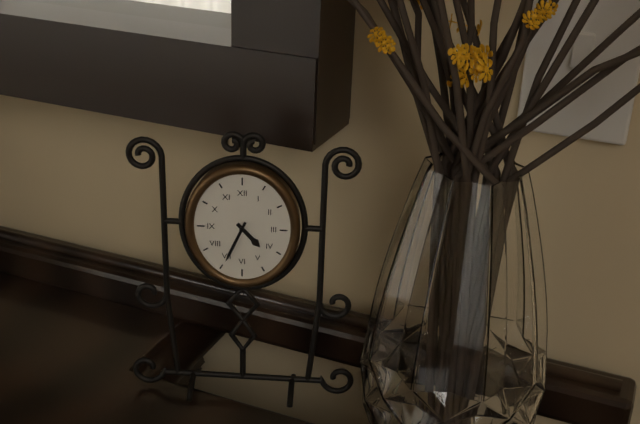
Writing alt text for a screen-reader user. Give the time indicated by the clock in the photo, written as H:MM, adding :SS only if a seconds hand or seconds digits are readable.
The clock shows 4:34
